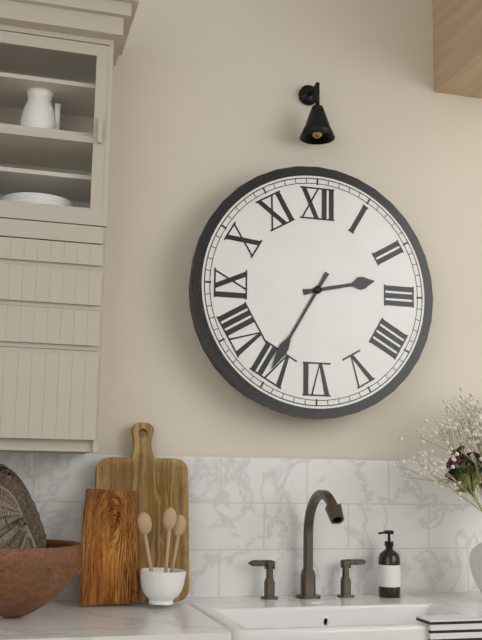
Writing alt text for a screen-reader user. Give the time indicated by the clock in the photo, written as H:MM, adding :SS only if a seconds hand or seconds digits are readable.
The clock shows 2:35
